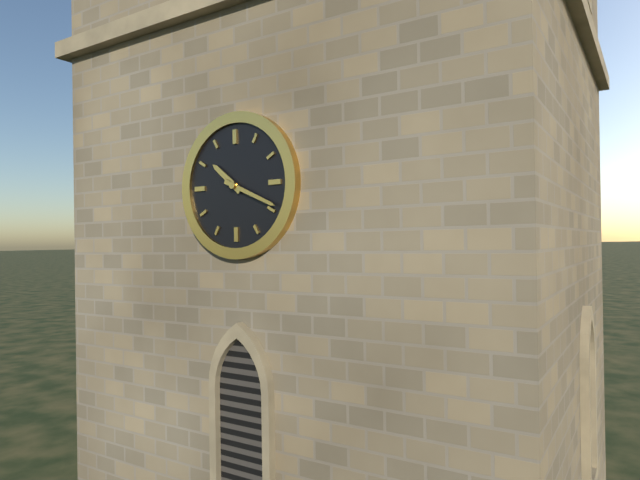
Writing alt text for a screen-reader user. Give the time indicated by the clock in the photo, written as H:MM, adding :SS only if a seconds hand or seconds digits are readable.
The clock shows 10:19
